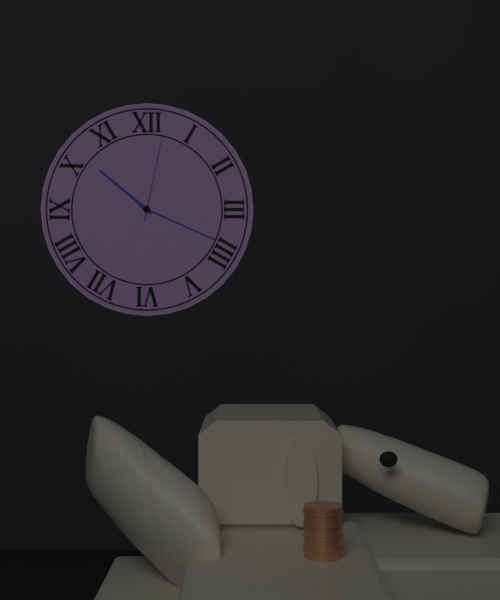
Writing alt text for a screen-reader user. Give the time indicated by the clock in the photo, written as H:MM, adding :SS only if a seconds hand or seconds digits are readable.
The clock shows 10:19:02
